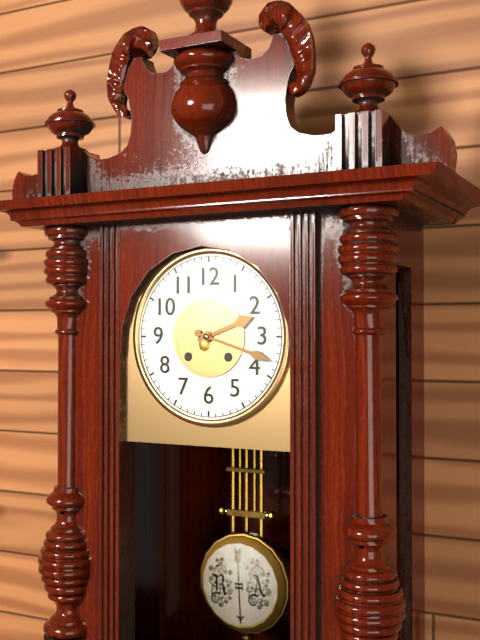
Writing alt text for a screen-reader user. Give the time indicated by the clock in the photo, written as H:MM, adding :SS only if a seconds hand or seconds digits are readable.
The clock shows 2:18
